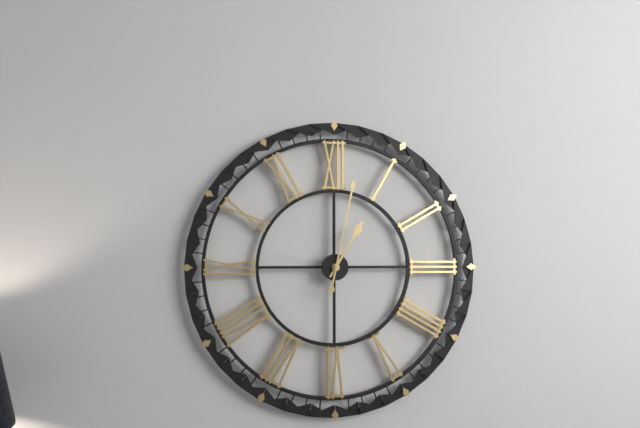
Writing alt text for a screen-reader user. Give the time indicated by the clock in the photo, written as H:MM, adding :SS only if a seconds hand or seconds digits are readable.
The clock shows 1:02
